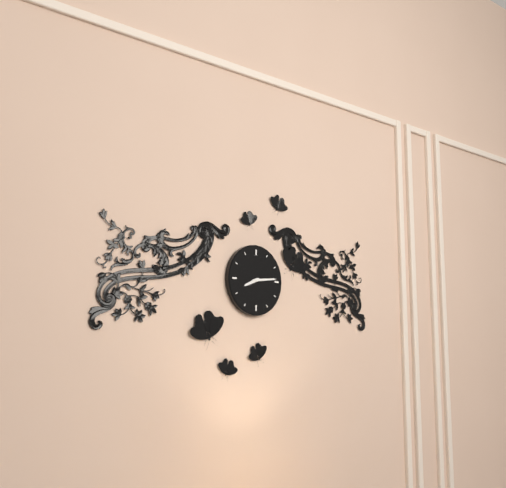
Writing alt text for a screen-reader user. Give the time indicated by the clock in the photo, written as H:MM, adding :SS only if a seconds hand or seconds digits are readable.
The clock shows 8:14
